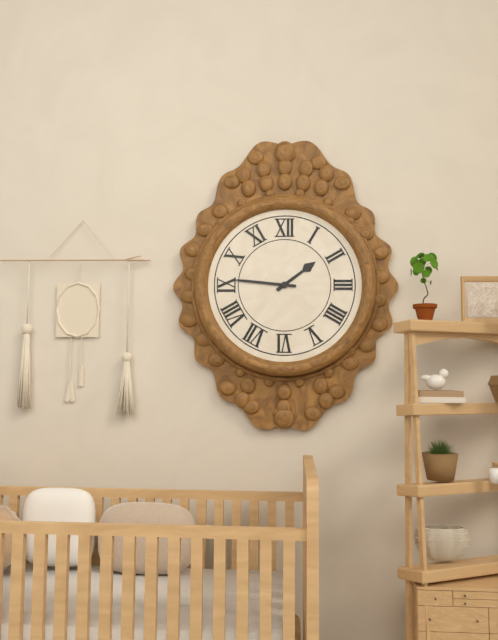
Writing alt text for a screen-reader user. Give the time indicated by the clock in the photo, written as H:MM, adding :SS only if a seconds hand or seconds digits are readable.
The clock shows 1:46
